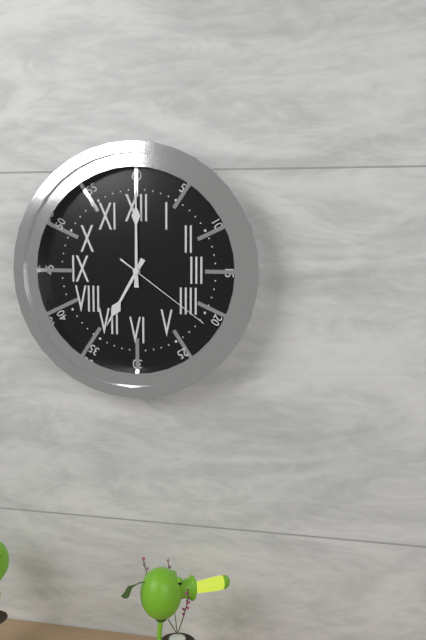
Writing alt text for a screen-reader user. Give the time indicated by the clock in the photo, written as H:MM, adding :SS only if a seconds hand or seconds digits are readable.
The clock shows 7:00:21
